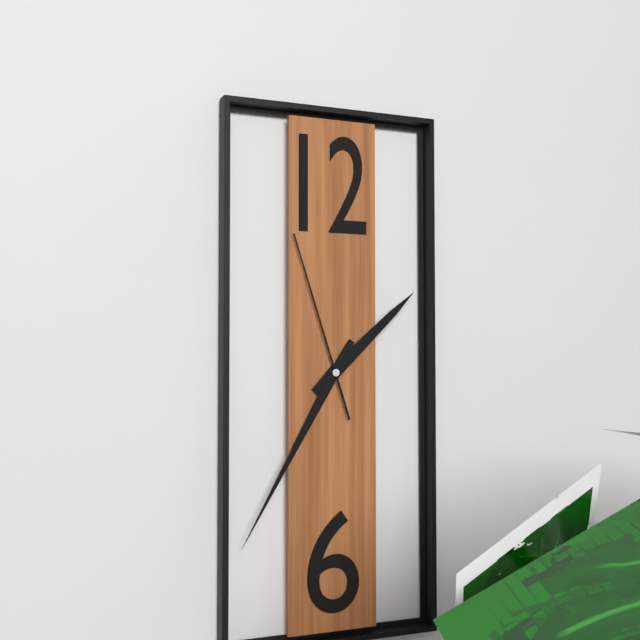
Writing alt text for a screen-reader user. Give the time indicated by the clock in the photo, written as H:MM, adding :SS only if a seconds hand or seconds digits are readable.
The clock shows 1:35:57
